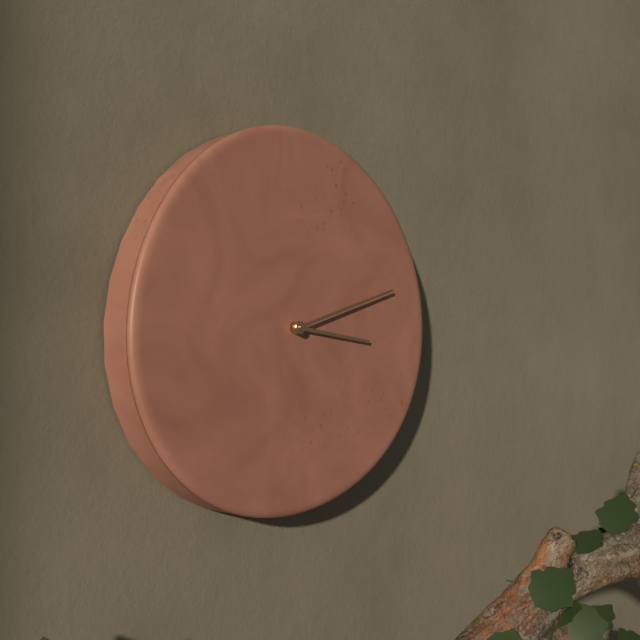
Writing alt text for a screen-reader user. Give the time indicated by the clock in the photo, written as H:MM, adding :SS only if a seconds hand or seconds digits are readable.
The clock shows 3:12
